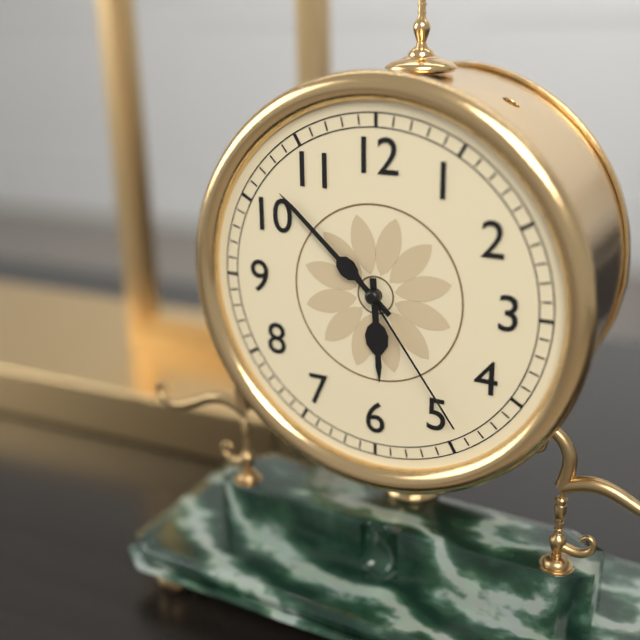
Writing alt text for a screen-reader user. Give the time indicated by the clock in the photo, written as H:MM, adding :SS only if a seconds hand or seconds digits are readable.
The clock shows 5:52:24
